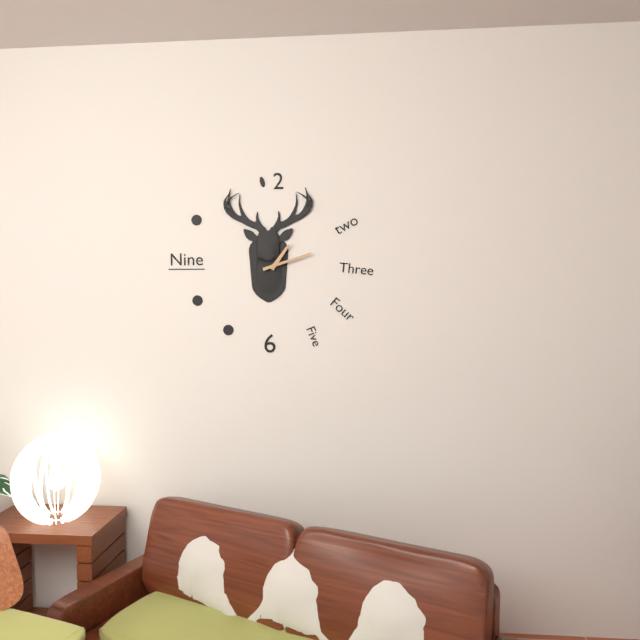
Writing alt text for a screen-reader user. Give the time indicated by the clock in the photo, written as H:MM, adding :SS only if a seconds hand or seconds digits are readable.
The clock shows 1:12
